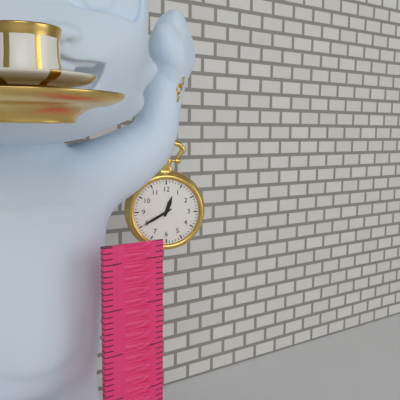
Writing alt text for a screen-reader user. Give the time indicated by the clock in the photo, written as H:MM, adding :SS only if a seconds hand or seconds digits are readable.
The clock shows 12:40
